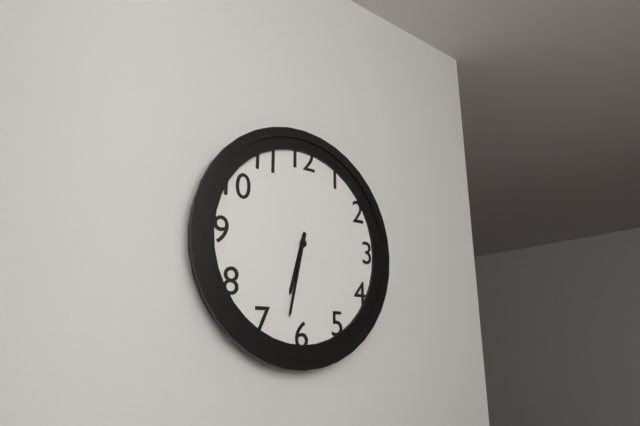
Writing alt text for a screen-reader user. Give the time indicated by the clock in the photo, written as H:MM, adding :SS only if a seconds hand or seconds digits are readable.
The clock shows 6:32
